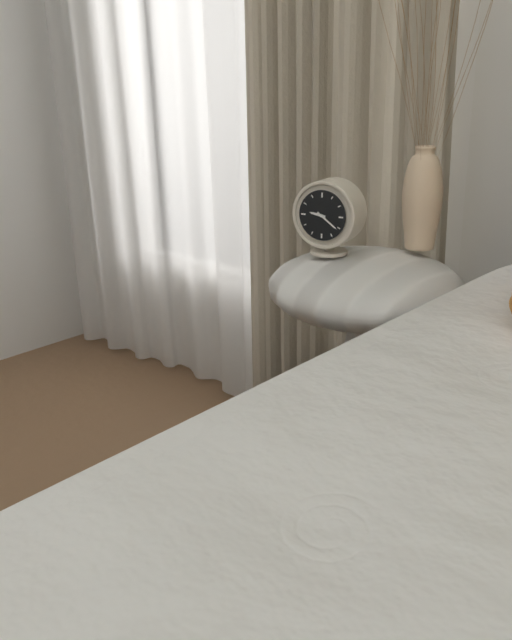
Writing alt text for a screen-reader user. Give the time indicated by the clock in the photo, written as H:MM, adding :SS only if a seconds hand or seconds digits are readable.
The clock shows 9:21
